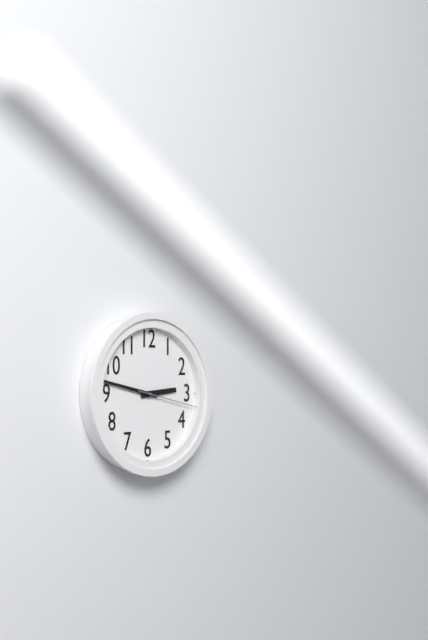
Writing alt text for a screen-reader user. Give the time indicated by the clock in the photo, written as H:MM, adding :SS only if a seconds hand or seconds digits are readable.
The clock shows 2:47:17
